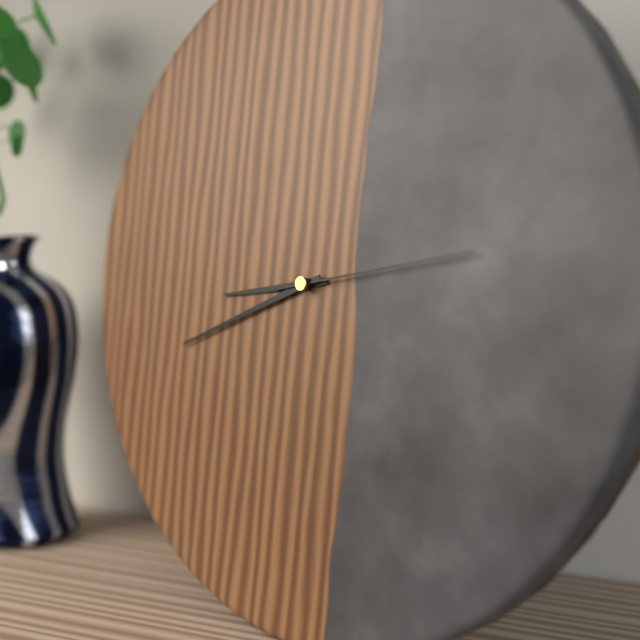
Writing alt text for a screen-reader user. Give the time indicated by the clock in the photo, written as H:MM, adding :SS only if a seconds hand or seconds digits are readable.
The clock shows 8:41:13
